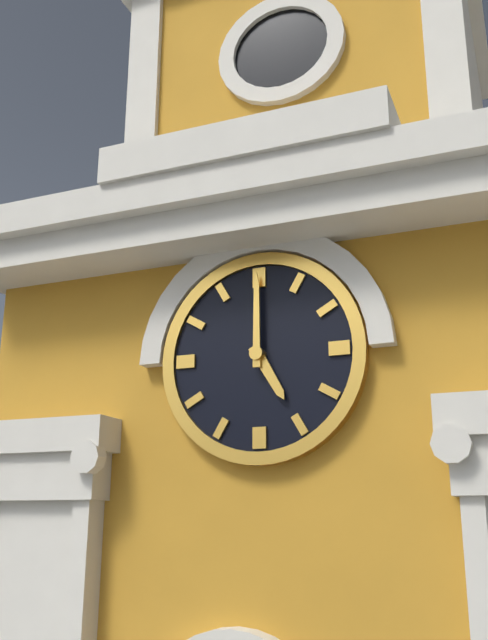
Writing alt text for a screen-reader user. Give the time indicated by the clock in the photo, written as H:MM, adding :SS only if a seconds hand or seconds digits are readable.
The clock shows 5:00
